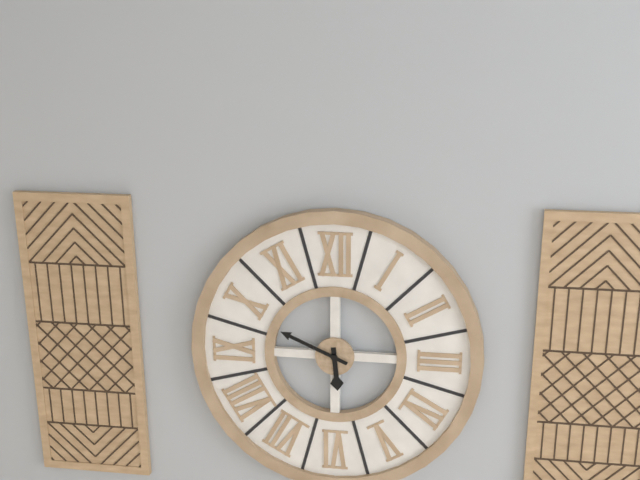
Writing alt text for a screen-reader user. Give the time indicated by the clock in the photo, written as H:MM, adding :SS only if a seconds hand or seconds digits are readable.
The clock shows 5:49
